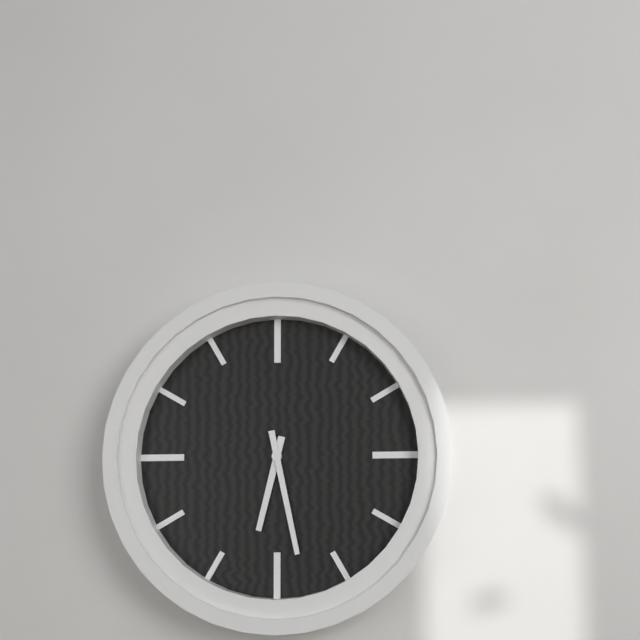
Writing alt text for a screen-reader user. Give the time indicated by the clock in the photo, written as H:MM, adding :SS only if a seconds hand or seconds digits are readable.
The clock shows 6:28
